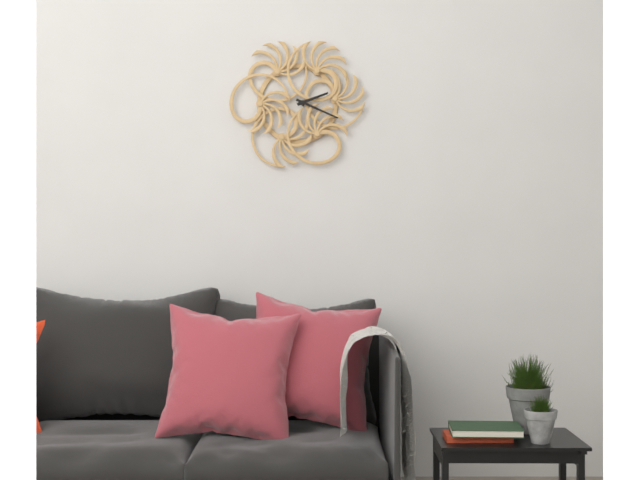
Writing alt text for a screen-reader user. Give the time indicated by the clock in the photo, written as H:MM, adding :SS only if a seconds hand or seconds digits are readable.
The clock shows 2:19
